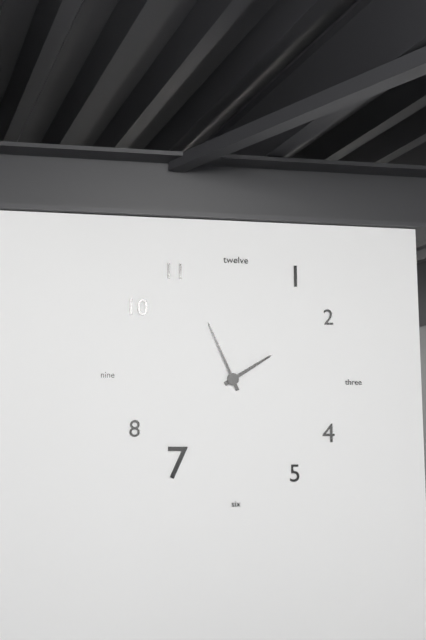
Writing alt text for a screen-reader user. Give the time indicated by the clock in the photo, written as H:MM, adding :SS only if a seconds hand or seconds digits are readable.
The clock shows 1:56
